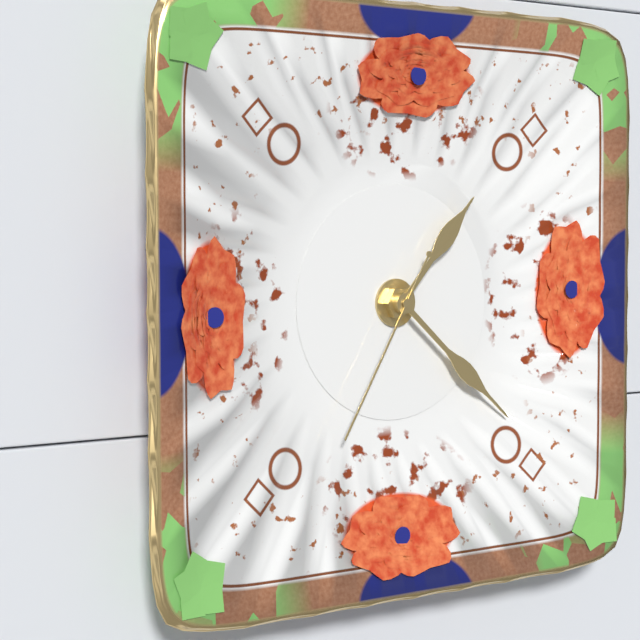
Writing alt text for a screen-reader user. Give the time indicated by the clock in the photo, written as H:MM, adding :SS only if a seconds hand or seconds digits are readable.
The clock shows 1:22:35
